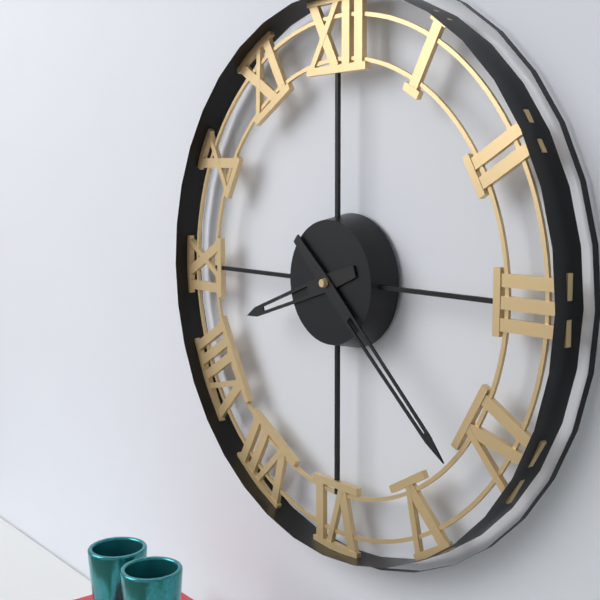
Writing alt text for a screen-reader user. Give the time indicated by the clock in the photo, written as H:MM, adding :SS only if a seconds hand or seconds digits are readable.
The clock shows 8:22
